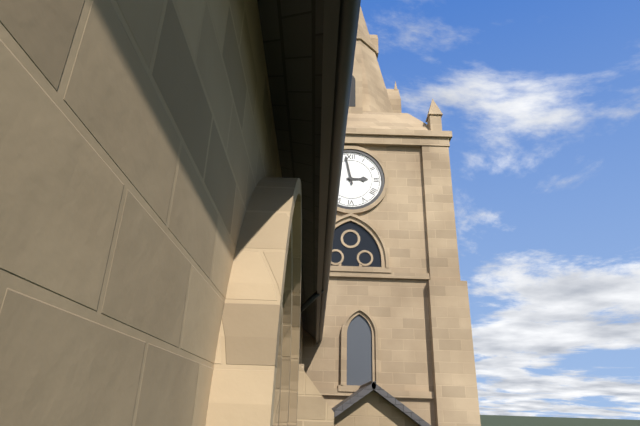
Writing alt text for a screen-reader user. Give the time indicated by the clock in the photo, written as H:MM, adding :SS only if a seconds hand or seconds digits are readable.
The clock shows 2:58
